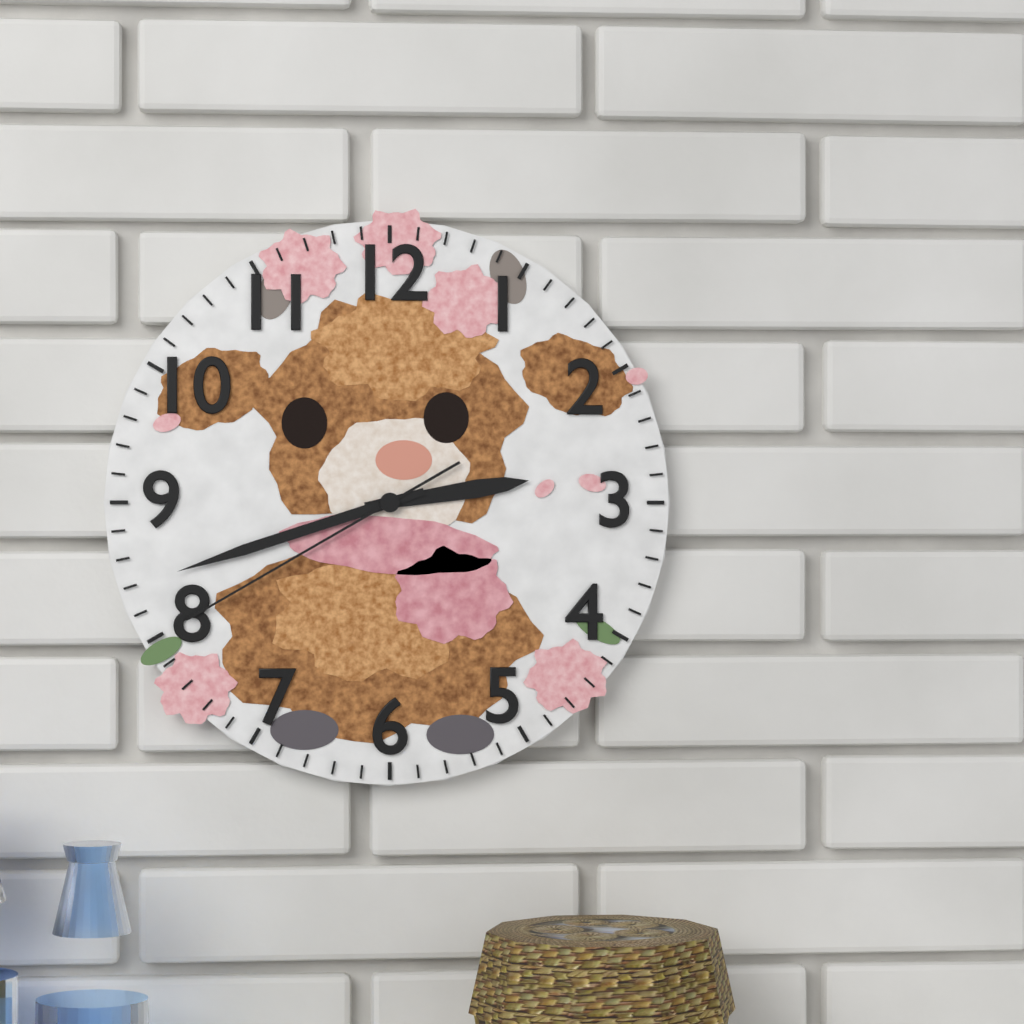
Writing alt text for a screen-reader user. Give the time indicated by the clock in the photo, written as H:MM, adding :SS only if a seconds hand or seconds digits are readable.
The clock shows 2:42:40
